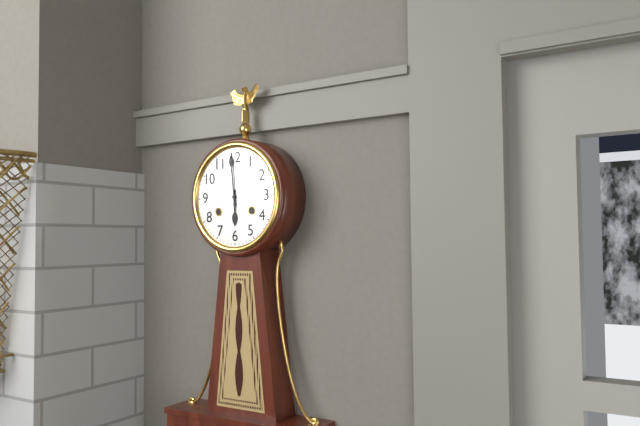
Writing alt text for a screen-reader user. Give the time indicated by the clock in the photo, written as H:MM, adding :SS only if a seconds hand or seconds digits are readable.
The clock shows 5:59
